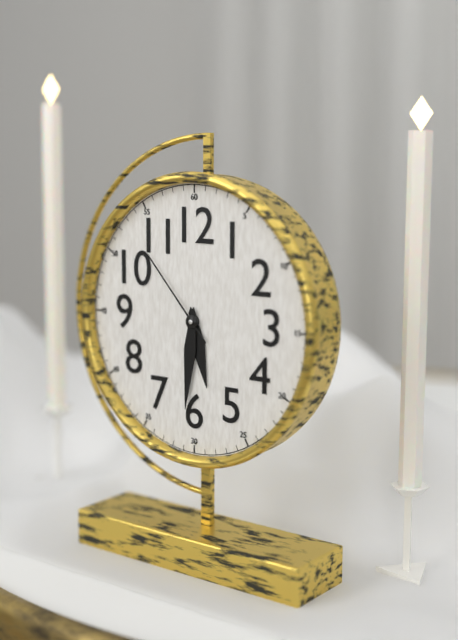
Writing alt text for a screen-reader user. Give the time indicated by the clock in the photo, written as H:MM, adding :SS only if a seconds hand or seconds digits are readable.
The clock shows 5:31:53
